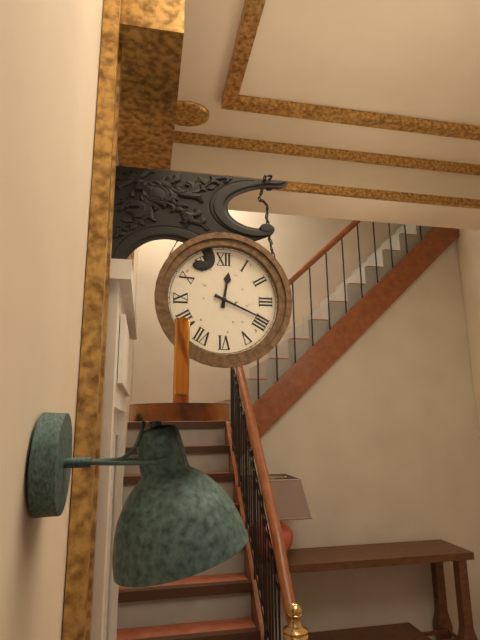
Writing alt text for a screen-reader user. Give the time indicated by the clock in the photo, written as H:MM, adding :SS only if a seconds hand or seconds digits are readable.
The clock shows 12:19
